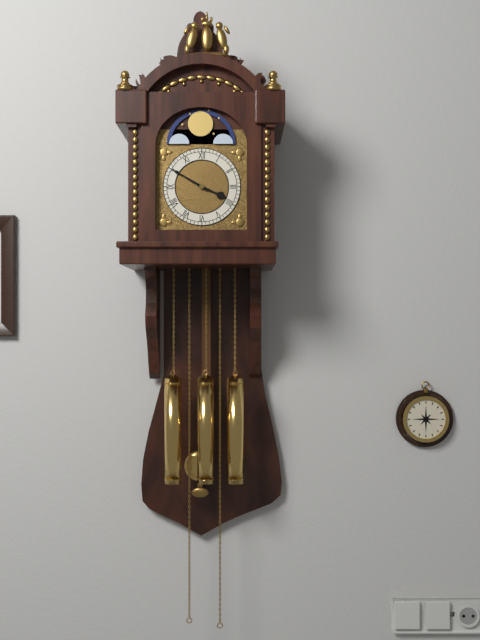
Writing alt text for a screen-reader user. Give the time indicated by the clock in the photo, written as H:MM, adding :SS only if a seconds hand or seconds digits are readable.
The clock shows 3:50
